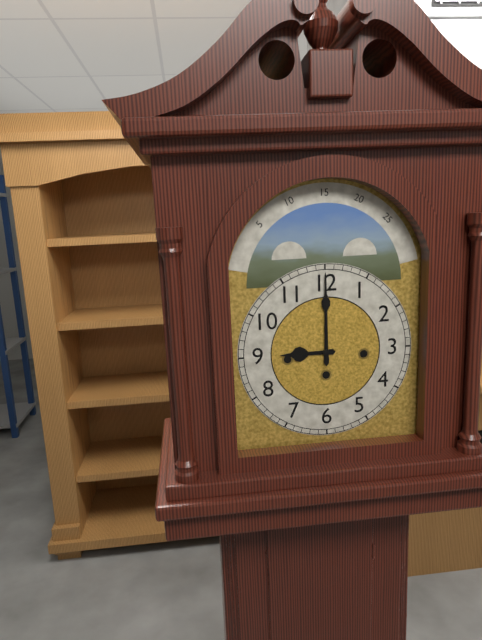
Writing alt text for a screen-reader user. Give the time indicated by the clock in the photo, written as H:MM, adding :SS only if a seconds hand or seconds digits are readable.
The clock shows 9:00
